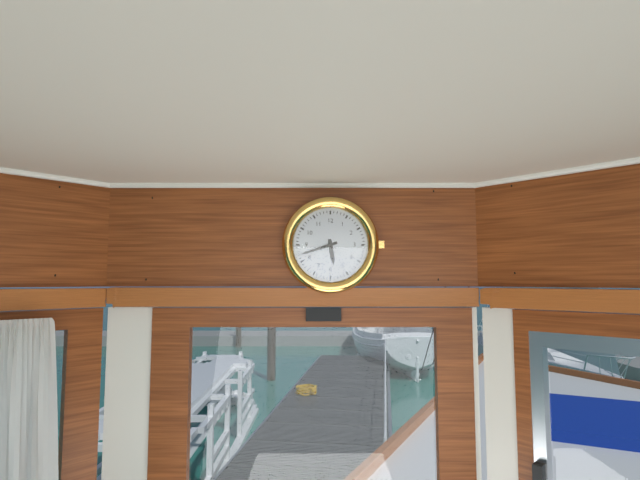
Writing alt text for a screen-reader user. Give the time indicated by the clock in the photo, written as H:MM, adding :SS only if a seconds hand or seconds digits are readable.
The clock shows 5:42
